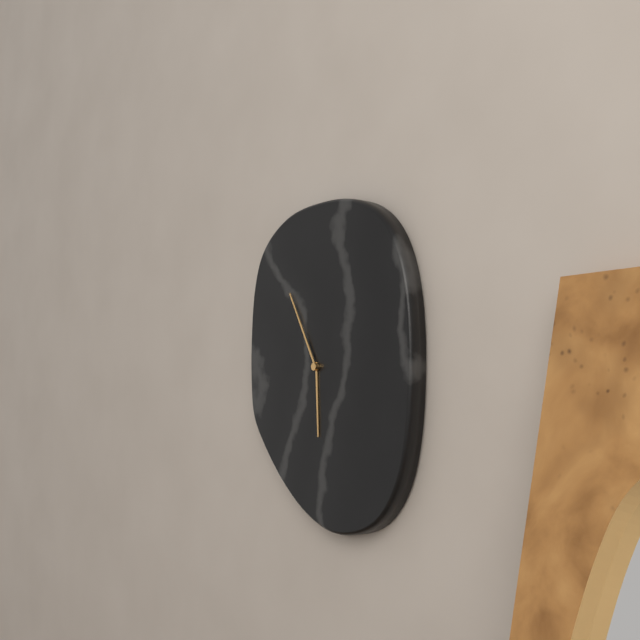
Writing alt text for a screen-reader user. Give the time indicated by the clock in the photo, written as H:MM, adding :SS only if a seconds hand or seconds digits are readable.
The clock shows 5:55
